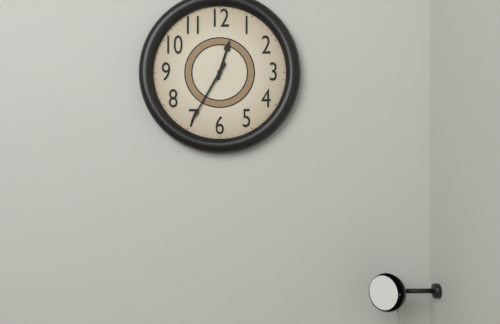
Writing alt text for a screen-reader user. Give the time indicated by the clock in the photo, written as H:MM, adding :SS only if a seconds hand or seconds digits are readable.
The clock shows 12:35
